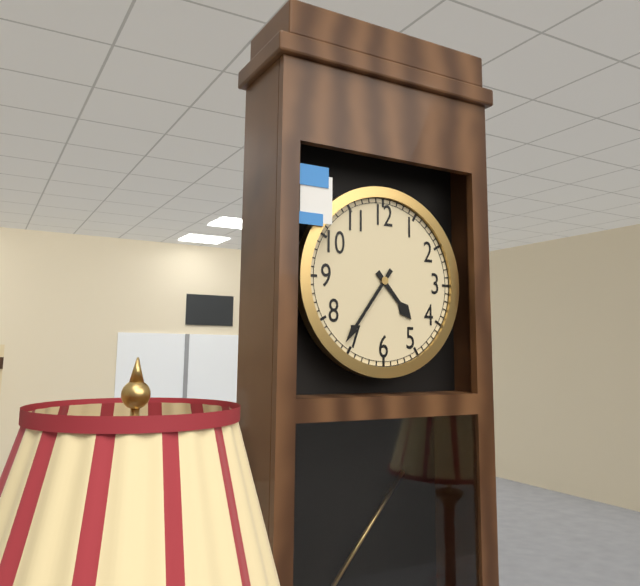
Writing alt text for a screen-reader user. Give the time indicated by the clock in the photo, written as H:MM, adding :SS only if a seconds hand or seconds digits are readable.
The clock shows 4:36
